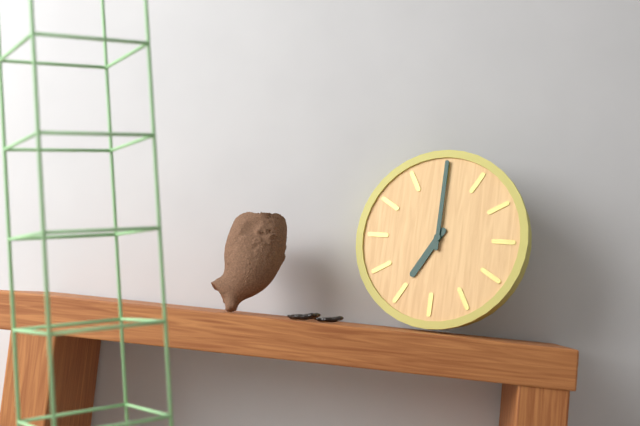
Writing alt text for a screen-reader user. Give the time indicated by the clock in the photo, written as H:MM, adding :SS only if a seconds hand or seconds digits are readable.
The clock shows 7:00
